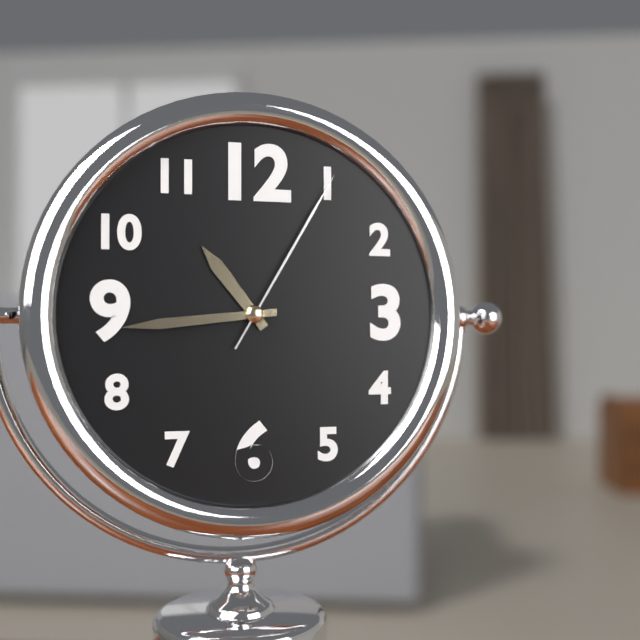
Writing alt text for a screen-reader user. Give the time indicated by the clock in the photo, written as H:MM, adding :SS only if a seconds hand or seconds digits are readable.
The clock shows 10:44:05
